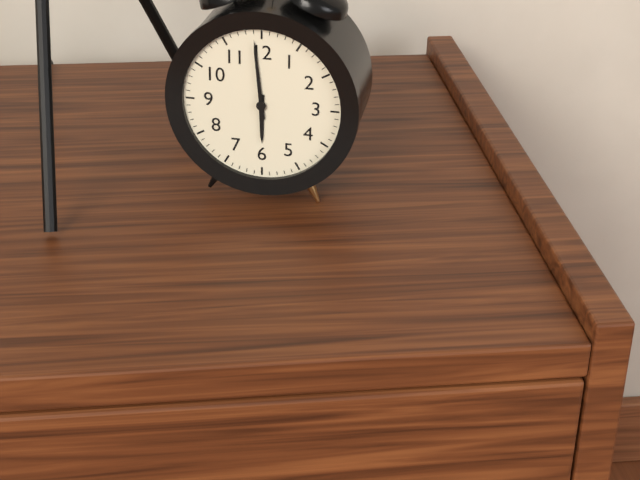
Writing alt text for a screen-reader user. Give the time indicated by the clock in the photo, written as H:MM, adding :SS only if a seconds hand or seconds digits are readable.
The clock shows 5:59
